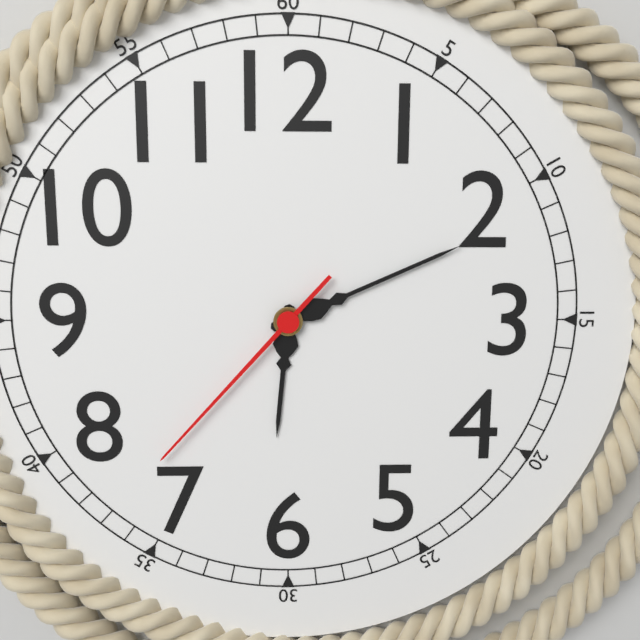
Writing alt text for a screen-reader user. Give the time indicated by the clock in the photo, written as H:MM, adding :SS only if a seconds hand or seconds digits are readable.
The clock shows 6:11:37
